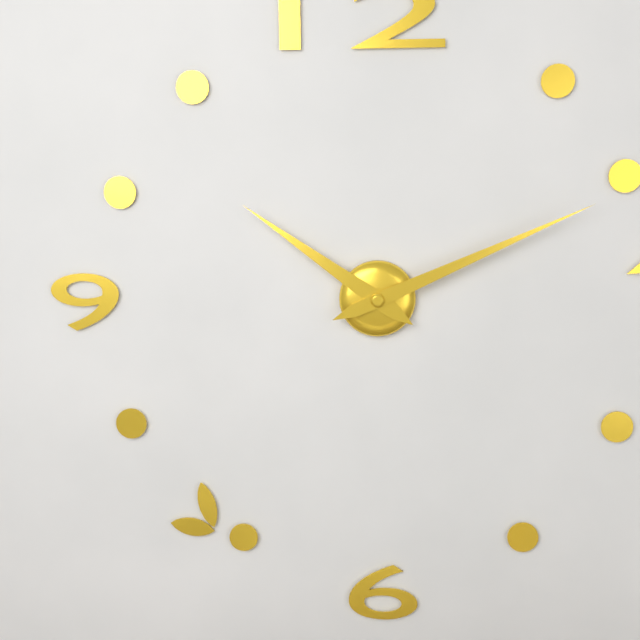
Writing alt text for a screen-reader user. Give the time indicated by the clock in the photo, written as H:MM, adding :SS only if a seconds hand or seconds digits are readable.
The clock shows 10:11
